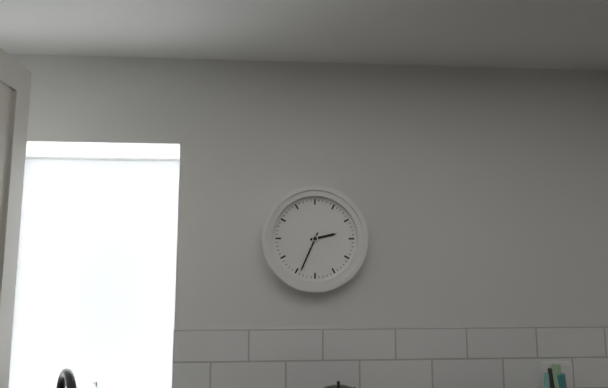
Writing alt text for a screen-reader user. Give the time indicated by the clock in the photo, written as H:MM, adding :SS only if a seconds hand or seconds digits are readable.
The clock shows 2:34
